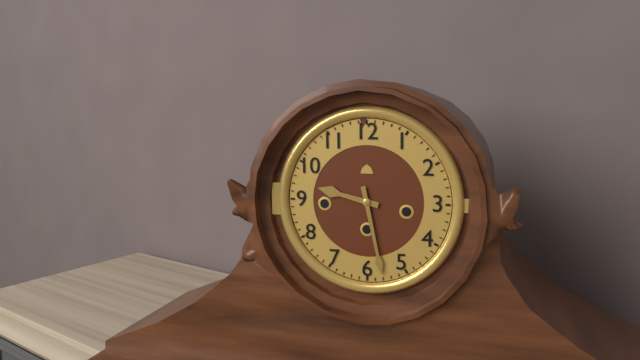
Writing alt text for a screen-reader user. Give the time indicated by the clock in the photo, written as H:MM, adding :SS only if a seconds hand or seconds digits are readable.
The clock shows 9:28
